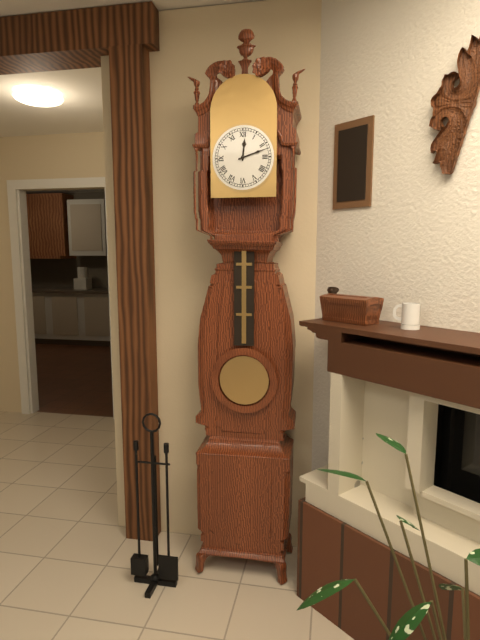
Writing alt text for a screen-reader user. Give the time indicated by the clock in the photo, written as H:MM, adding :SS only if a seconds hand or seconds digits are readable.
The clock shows 12:12
